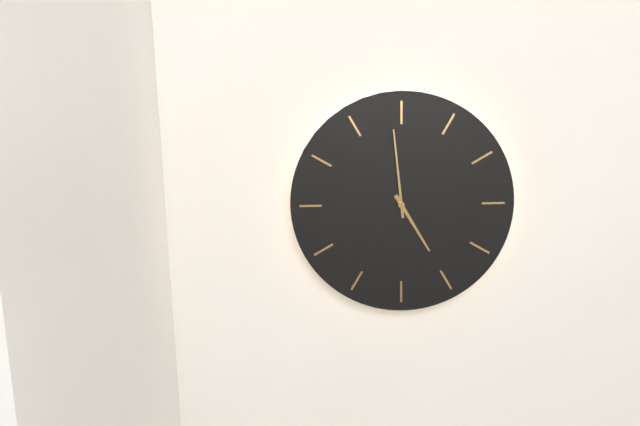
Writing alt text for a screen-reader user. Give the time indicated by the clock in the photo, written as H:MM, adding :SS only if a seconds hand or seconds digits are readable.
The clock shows 4:59
